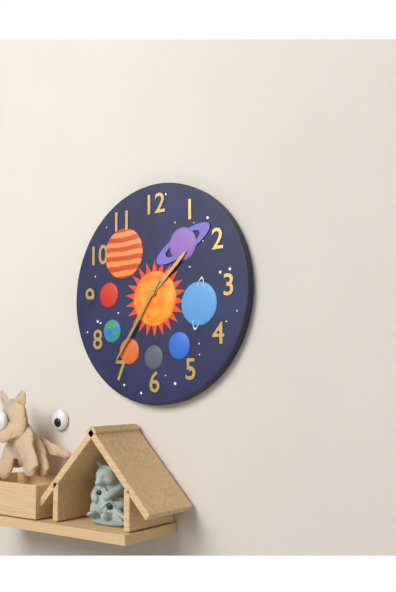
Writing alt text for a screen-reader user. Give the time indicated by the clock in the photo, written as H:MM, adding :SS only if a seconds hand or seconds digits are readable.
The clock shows 1:36
